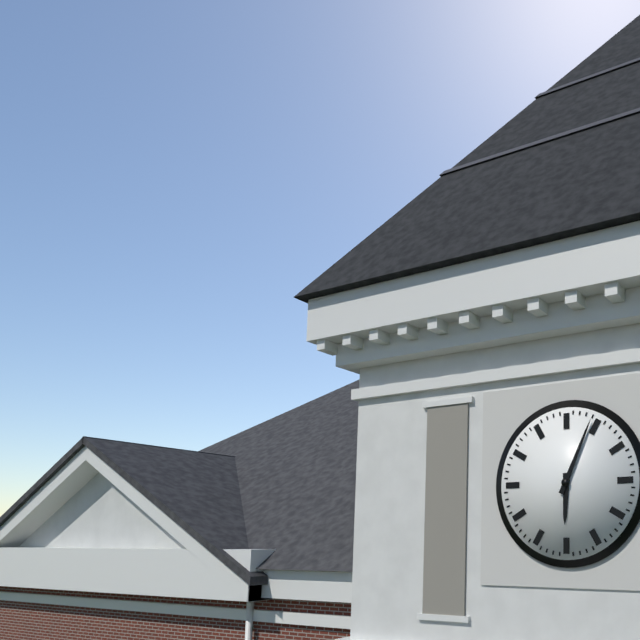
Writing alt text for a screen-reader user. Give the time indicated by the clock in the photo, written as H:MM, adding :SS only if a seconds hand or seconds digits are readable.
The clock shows 6:04
